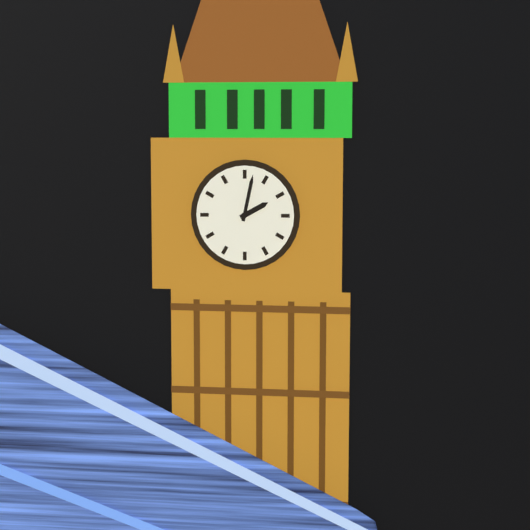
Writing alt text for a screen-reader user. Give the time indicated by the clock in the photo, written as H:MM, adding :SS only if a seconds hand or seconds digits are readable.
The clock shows 2:02
